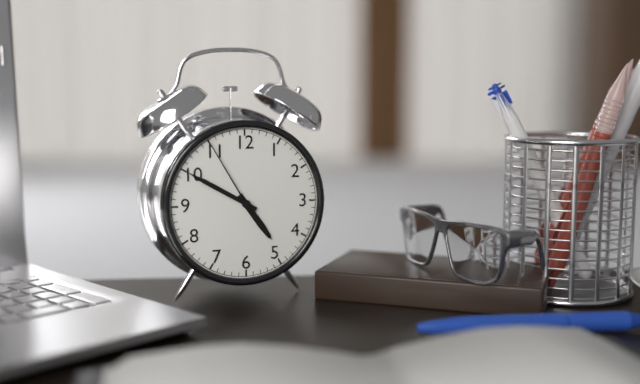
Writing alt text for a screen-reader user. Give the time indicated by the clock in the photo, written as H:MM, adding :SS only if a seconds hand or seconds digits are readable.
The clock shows 4:50:55
